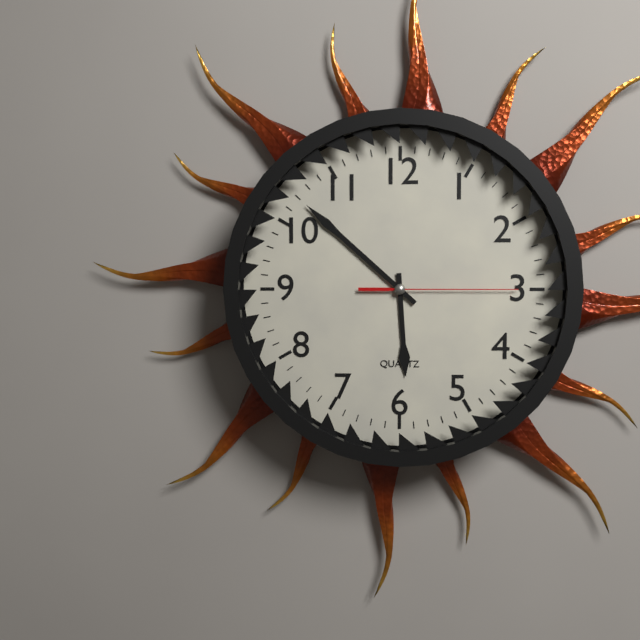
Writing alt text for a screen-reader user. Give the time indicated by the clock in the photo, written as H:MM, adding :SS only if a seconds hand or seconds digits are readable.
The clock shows 5:52:15
